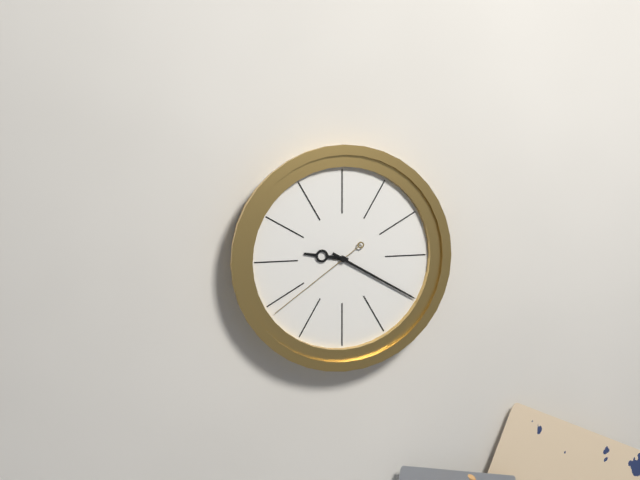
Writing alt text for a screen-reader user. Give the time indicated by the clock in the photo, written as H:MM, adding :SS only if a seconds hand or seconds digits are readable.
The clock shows 9:20:39
